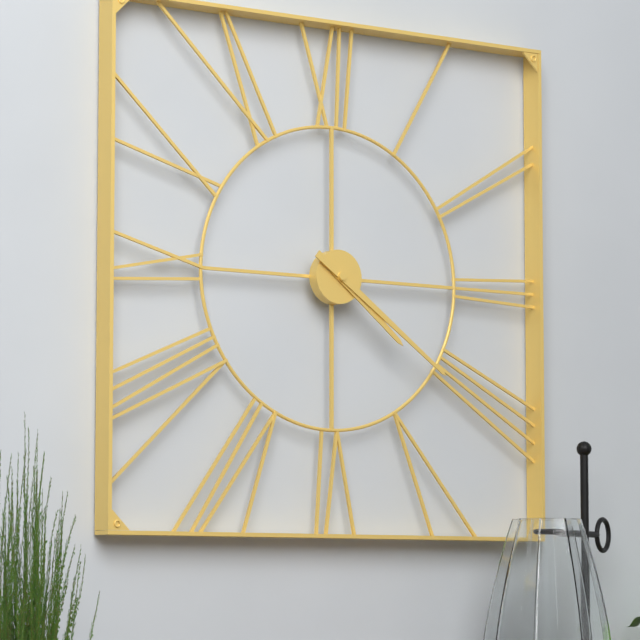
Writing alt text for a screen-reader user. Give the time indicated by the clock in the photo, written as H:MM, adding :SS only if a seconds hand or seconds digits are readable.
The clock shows 4:21
